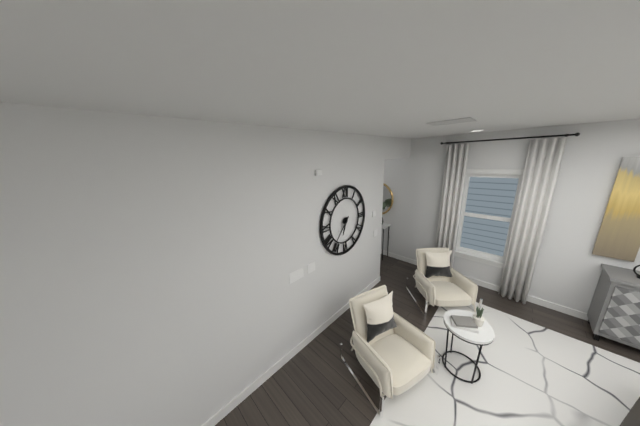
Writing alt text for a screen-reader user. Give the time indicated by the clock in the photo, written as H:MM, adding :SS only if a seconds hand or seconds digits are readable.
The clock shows 6:37
